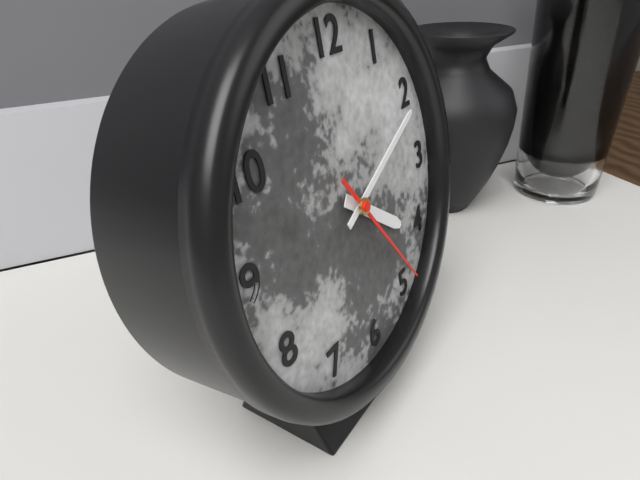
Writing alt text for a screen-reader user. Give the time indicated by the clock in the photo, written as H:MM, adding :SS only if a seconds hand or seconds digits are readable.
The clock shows 4:11:24
